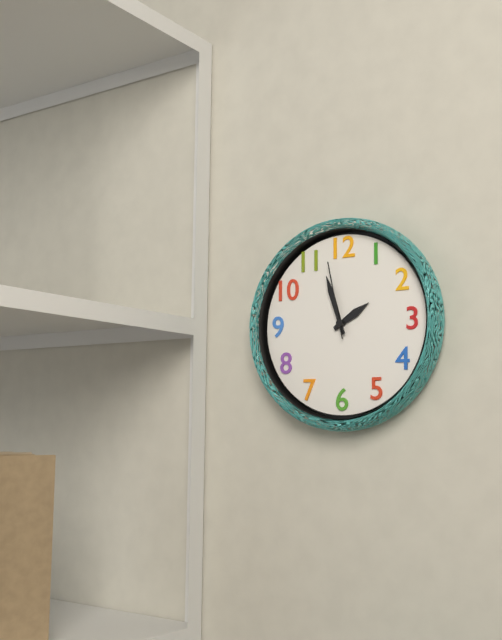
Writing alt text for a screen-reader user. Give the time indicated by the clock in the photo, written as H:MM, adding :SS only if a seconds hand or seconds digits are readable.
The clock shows 1:57:58
